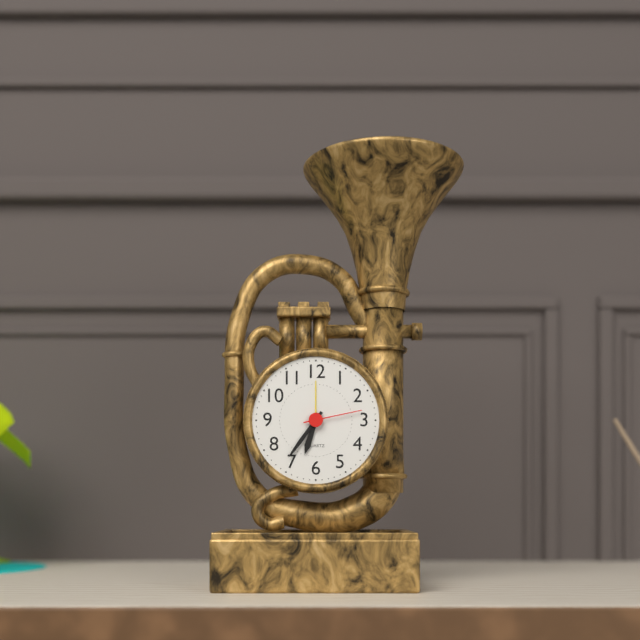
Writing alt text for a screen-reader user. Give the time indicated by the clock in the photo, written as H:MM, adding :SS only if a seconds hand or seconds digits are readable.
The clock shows 6:36:13
